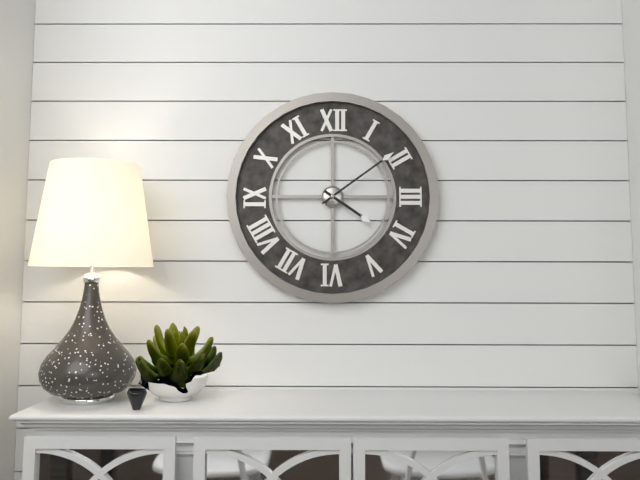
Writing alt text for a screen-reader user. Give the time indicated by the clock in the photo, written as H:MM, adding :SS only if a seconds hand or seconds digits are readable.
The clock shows 4:09
